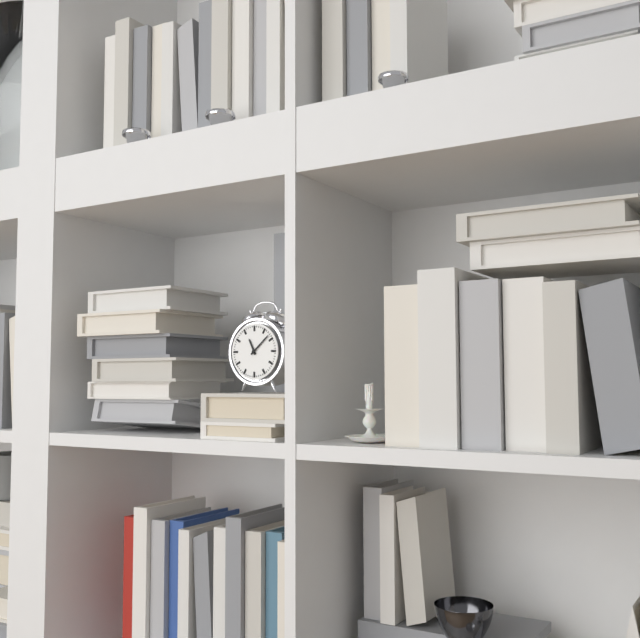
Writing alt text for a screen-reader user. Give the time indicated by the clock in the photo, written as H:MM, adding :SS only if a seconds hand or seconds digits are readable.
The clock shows 11:08
